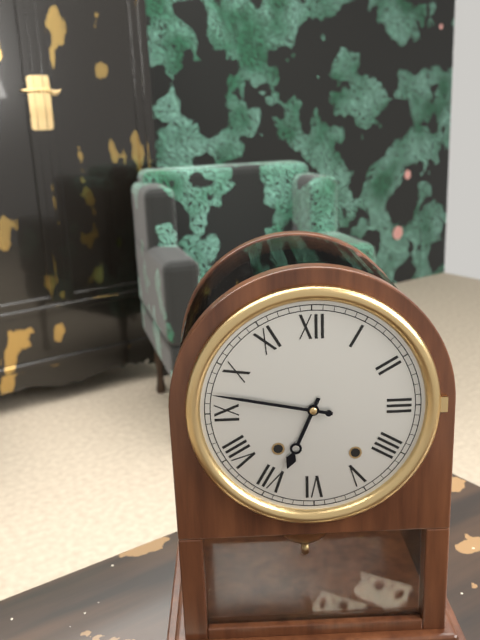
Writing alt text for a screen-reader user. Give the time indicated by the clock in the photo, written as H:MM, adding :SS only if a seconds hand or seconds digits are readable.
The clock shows 6:47
